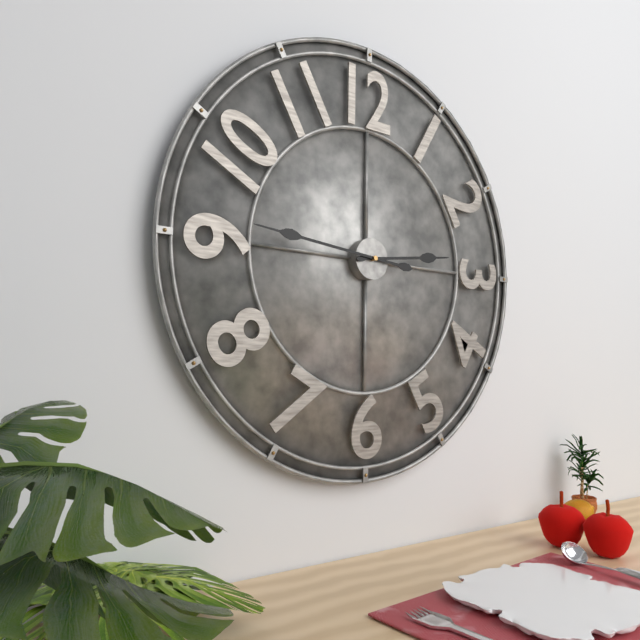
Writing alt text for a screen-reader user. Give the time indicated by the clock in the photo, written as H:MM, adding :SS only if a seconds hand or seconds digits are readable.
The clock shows 2:46
